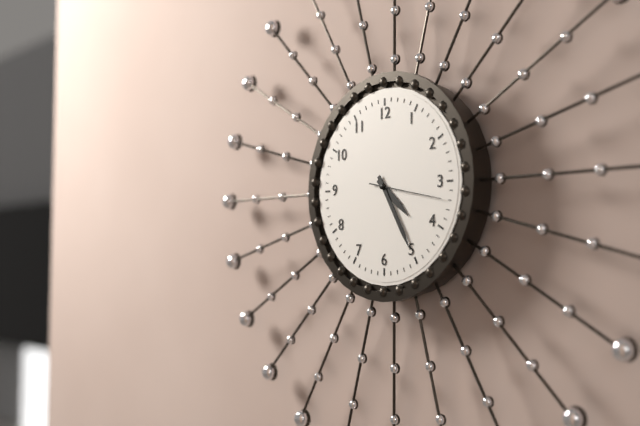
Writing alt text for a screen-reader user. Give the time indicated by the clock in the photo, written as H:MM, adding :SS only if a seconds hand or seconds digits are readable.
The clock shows 4:25:17
